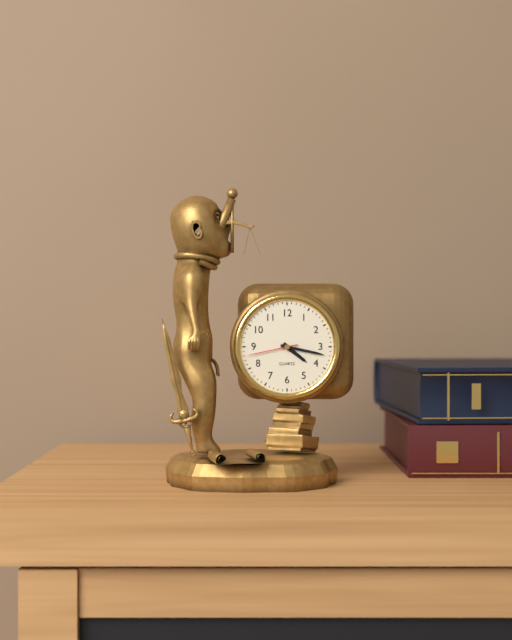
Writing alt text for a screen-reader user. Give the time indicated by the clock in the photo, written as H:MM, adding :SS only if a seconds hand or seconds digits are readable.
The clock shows 4:17:43
